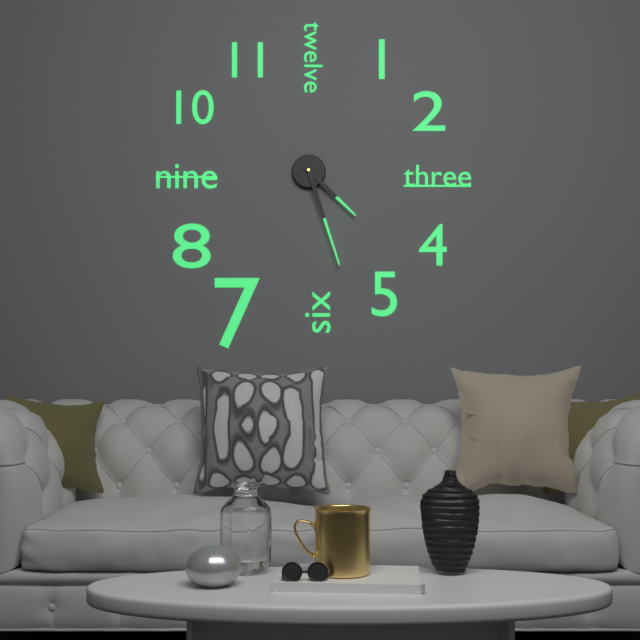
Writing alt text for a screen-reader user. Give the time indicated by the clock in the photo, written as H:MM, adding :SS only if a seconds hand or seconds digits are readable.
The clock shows 4:27
